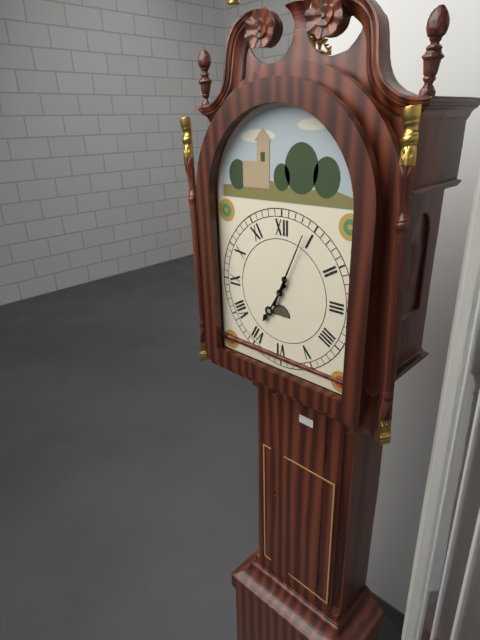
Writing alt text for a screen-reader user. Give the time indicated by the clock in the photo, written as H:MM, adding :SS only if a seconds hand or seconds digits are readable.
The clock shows 7:04
